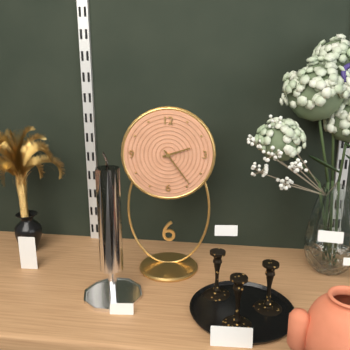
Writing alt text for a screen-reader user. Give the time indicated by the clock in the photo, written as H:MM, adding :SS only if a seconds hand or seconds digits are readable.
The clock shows 2:24
